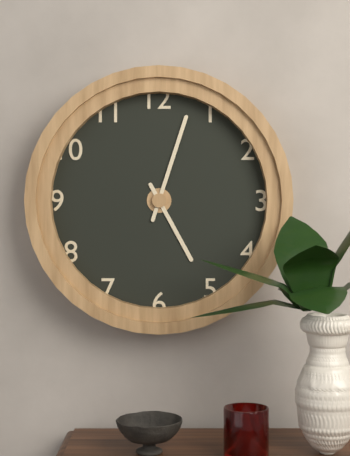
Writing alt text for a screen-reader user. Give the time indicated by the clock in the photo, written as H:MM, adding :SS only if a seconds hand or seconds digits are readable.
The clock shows 5:03
